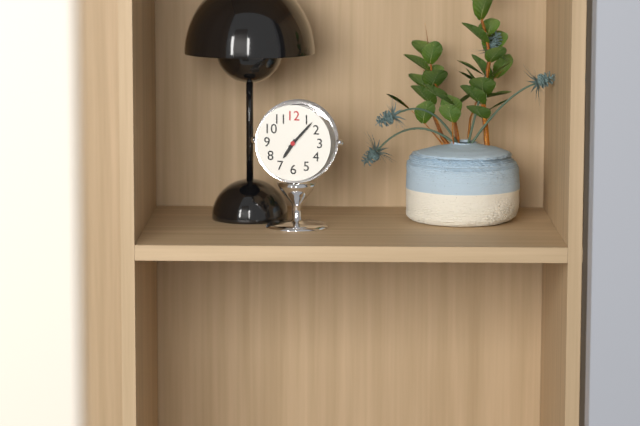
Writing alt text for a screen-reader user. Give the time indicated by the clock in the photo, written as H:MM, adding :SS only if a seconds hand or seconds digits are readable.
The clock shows 7:07
